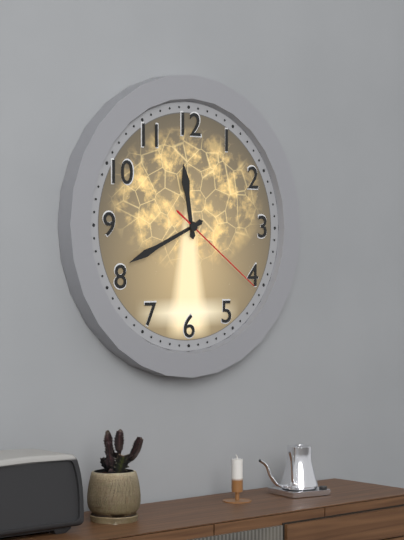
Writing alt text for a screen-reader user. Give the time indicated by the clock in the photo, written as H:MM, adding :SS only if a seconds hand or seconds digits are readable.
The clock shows 11:41:21
